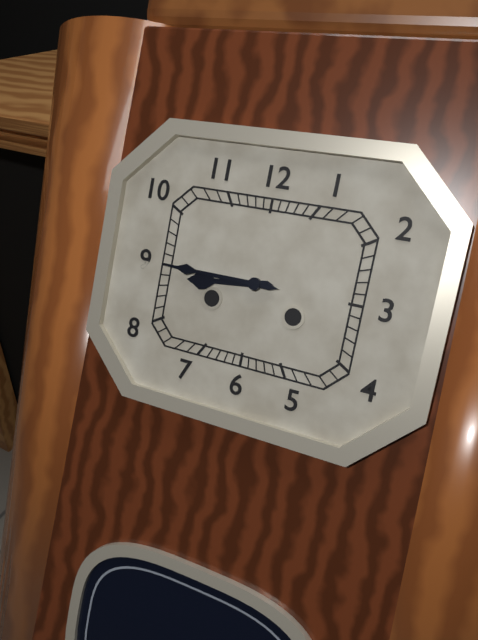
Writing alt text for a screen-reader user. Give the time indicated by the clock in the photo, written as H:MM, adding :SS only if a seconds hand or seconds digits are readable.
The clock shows 8:45
